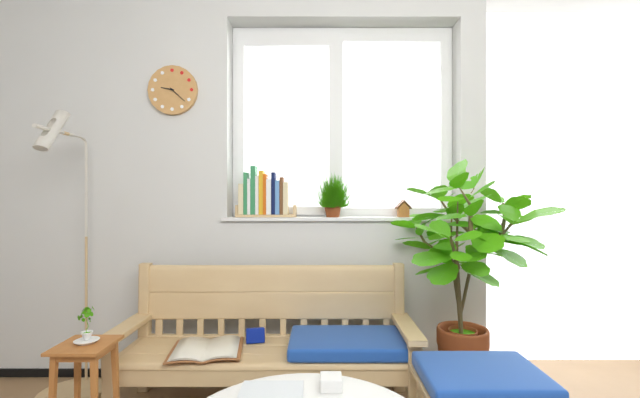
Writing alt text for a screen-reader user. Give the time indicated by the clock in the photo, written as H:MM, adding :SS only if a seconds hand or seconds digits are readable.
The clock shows 9:22
